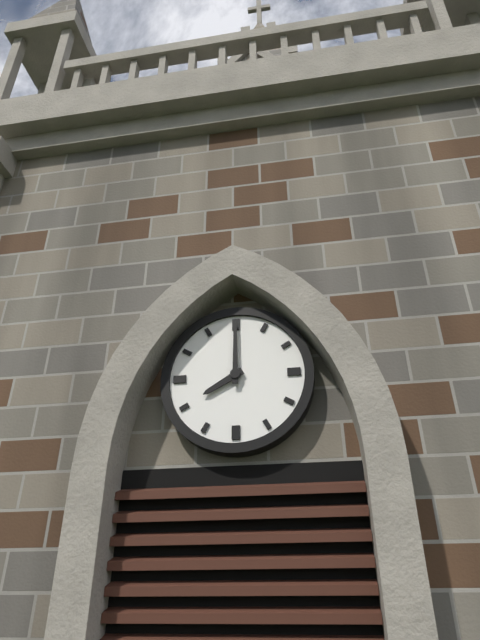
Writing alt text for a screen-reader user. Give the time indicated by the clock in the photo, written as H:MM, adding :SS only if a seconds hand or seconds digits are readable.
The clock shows 8:00
